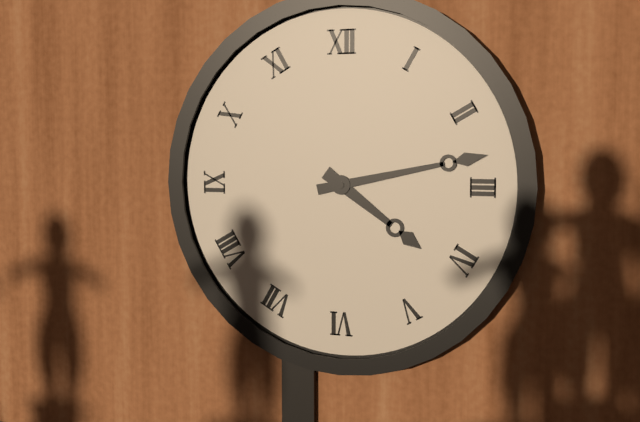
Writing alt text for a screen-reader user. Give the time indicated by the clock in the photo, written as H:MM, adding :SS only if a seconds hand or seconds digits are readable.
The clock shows 4:13
